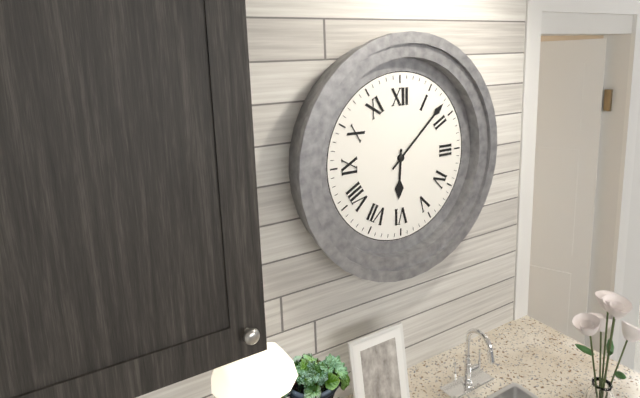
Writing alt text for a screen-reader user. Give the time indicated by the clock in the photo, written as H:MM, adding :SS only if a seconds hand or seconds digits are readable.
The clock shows 6:08
